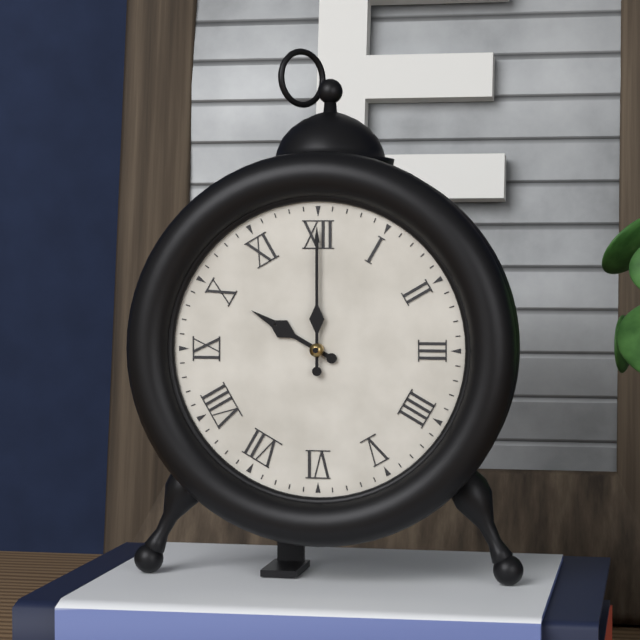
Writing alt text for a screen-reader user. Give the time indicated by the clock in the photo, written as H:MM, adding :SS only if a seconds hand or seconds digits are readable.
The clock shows 10:00
